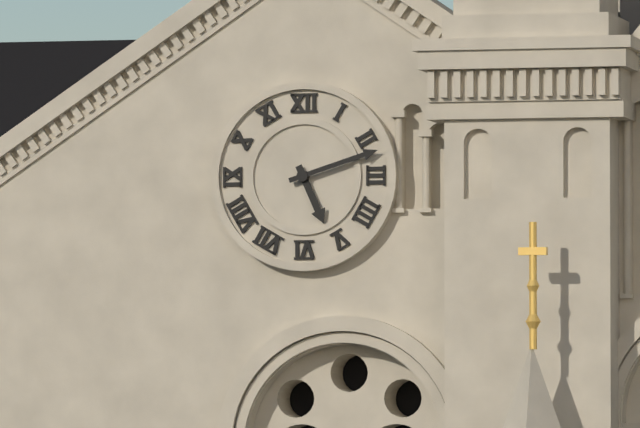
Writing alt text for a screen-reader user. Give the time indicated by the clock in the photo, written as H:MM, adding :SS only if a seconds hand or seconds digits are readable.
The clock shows 5:12
